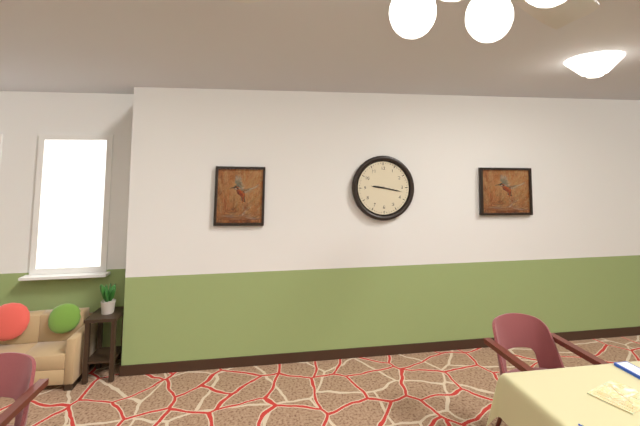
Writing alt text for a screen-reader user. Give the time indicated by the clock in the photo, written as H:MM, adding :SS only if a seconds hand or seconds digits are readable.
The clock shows 9:17
